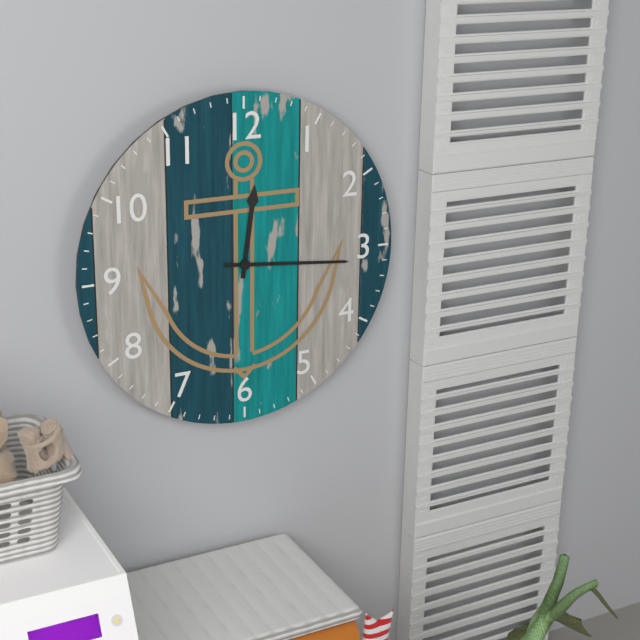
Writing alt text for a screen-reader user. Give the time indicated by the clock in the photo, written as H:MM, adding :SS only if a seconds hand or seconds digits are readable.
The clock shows 12:16
